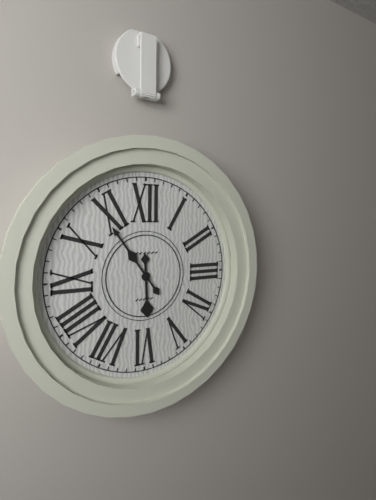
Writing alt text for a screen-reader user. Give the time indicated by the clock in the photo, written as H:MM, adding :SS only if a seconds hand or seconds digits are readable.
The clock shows 5:54
